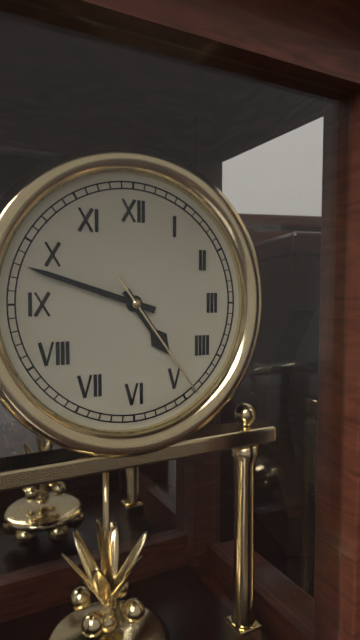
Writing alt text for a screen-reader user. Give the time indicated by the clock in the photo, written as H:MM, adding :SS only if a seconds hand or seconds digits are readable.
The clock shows 4:48:24
